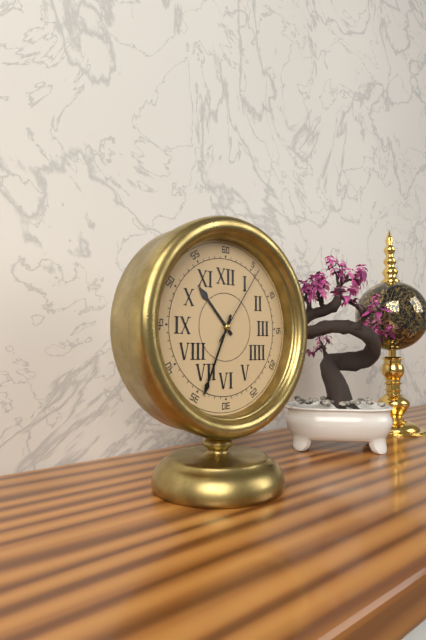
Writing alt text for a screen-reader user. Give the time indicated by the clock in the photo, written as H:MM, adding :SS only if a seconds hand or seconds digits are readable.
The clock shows 10:34:06
